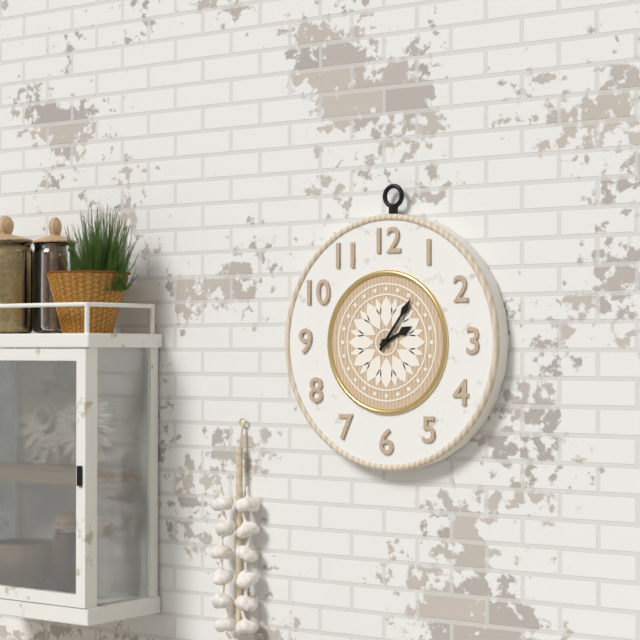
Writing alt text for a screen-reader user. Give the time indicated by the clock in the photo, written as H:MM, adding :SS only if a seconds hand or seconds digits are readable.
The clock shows 2:06
